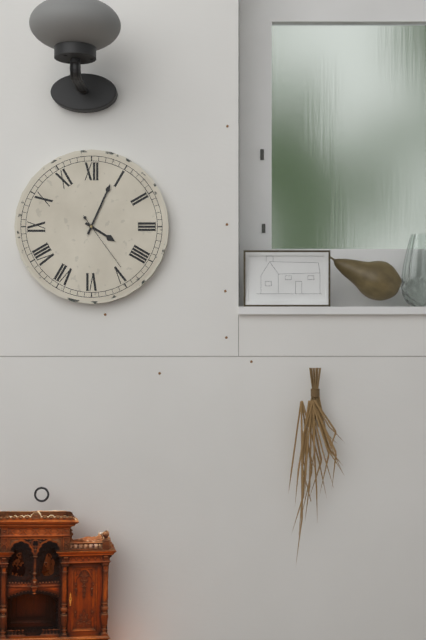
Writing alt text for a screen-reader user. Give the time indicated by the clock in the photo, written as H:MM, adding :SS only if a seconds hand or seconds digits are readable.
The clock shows 4:04:24
